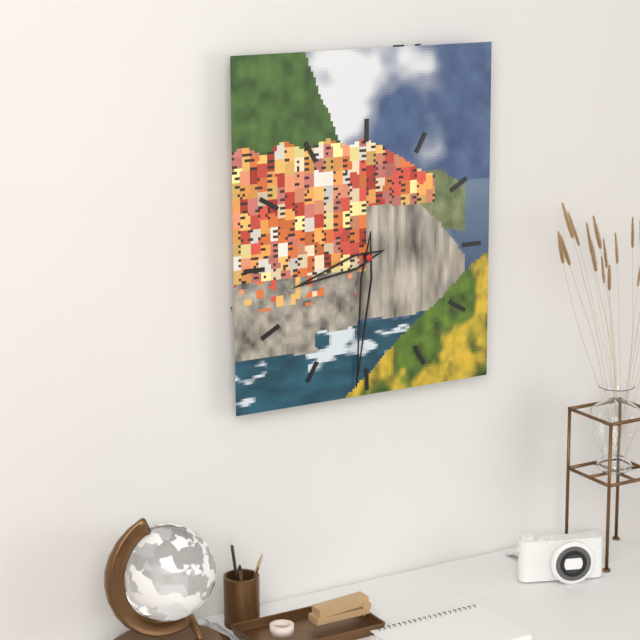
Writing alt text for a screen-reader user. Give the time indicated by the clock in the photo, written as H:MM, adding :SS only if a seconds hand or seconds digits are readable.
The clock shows 8:31
